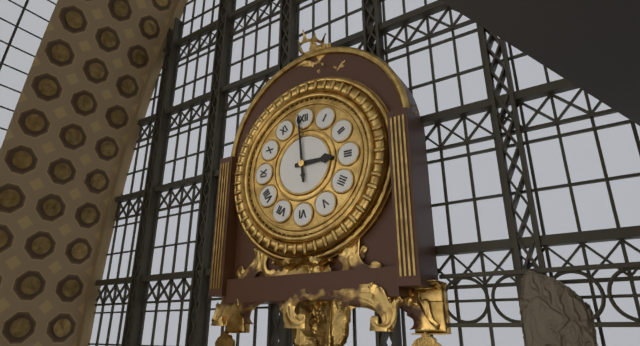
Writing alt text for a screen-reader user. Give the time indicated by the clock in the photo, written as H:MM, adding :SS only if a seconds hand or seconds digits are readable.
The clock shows 2:59
